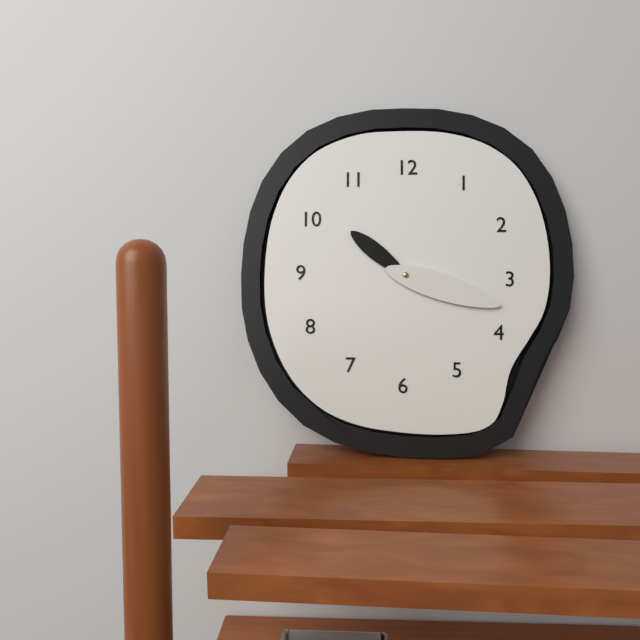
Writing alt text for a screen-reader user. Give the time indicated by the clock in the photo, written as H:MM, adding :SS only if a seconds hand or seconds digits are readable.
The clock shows 10:18
